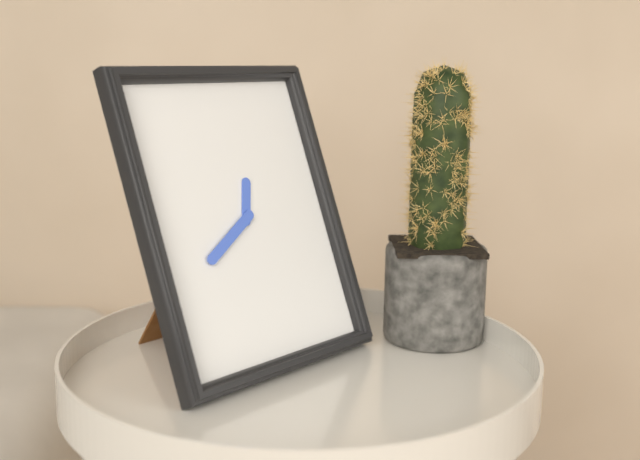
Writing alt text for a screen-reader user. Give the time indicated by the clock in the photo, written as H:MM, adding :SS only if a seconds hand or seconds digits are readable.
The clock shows 12:40
